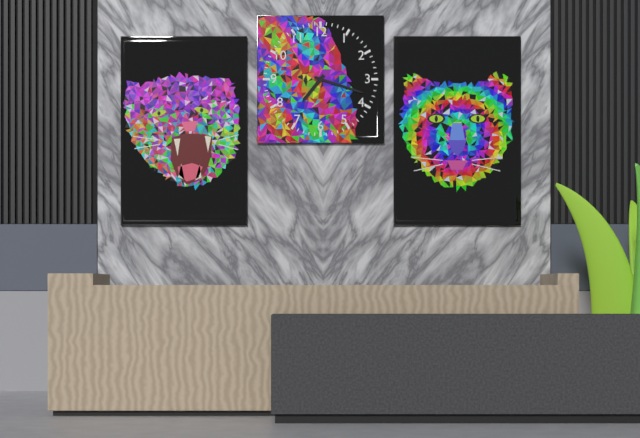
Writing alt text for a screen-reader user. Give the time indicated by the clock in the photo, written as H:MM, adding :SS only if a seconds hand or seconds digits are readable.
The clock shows 7:18
